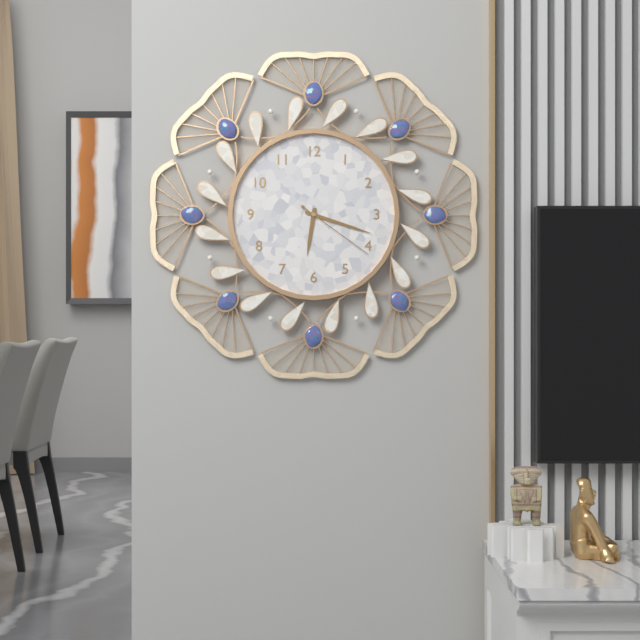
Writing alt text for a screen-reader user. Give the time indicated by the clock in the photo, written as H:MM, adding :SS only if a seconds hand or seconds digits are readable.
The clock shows 6:18:21
